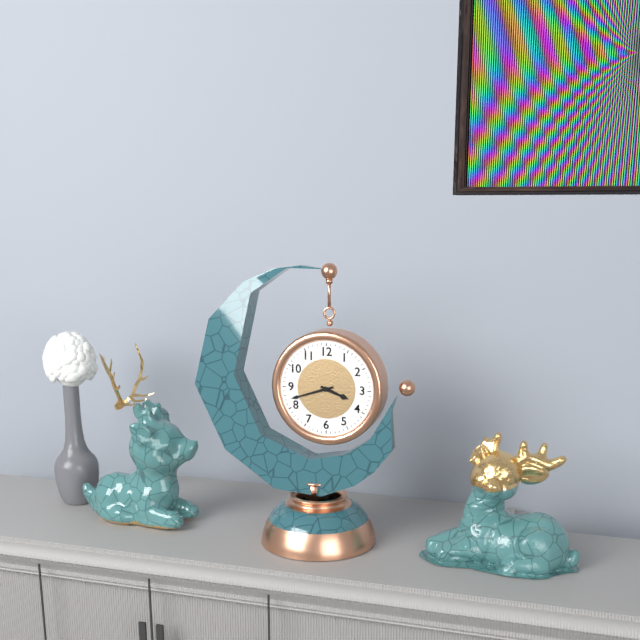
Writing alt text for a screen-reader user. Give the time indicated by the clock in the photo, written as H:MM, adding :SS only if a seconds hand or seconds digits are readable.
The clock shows 3:42
